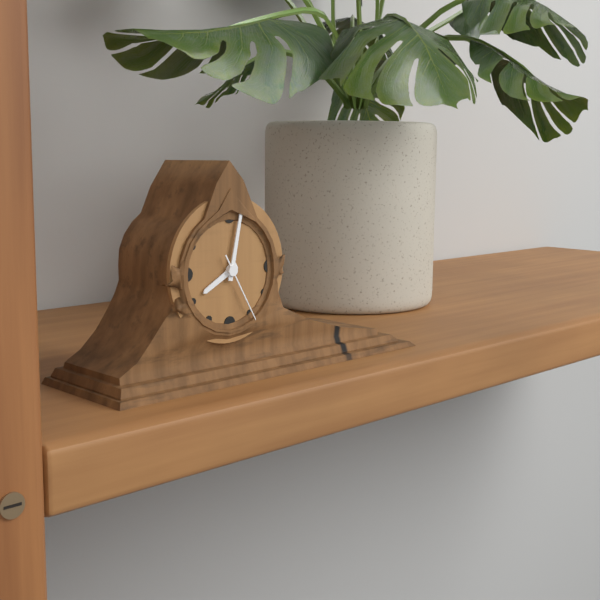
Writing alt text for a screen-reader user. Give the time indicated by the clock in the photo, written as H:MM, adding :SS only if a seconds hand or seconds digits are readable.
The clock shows 8:02:25
